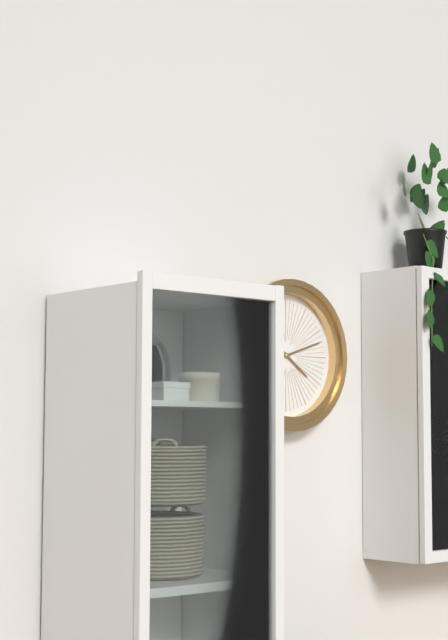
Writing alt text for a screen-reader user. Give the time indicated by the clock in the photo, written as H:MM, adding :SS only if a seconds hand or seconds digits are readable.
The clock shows 4:12
